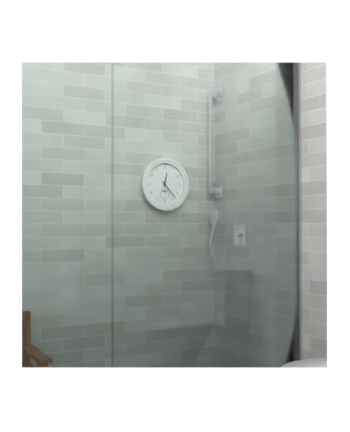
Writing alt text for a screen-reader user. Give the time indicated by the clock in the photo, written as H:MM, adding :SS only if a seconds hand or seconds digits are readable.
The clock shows 12:23
